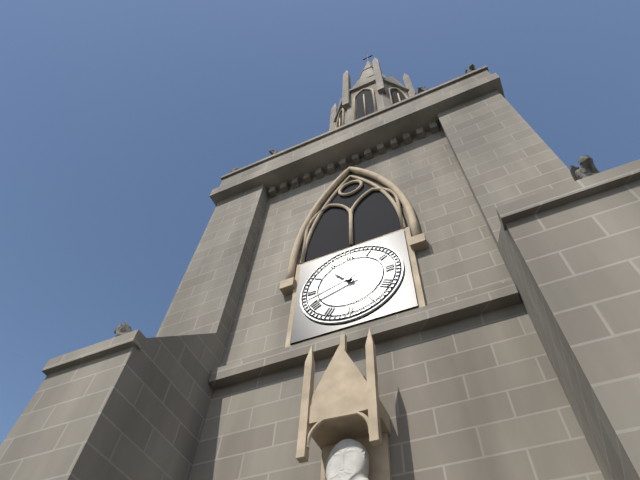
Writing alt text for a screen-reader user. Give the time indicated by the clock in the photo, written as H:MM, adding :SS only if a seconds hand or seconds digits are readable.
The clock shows 10:42
